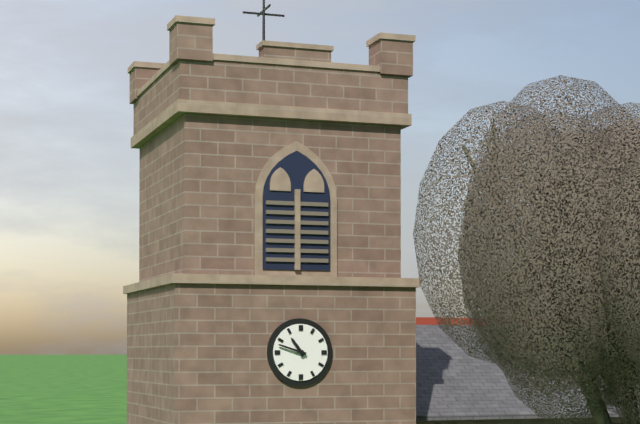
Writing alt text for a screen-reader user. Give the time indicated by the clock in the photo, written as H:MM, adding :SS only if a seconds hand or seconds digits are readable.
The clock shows 10:48
